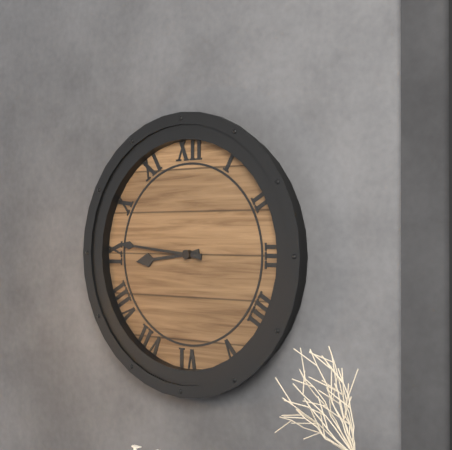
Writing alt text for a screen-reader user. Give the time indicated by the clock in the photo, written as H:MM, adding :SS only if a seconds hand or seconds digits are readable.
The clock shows 8:46
